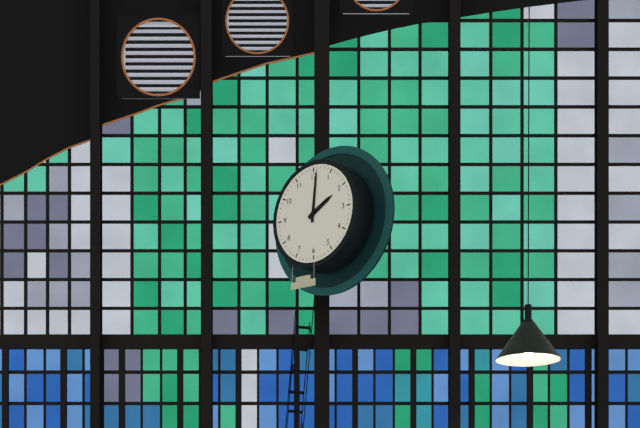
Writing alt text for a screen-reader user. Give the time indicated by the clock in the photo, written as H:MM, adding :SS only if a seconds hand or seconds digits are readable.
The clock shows 2:01
